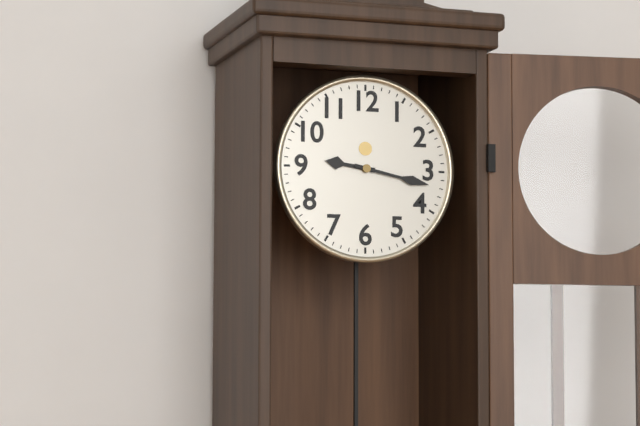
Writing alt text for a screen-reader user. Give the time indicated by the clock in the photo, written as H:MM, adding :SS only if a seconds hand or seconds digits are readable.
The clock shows 9:17
